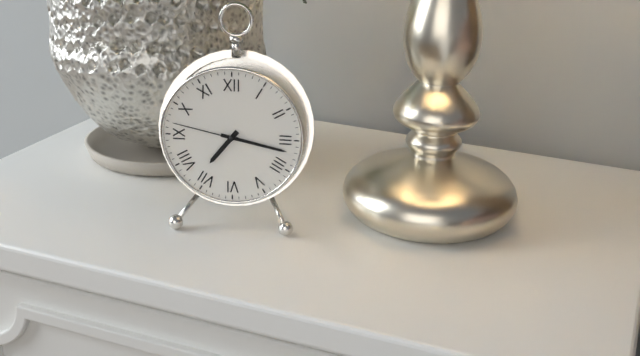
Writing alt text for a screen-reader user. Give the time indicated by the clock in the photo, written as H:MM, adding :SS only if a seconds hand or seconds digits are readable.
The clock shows 7:17:47
